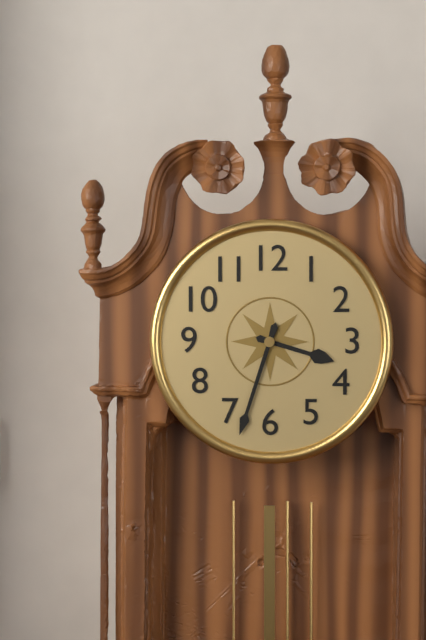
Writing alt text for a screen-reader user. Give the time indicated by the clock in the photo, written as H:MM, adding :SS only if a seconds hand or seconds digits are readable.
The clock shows 3:33
